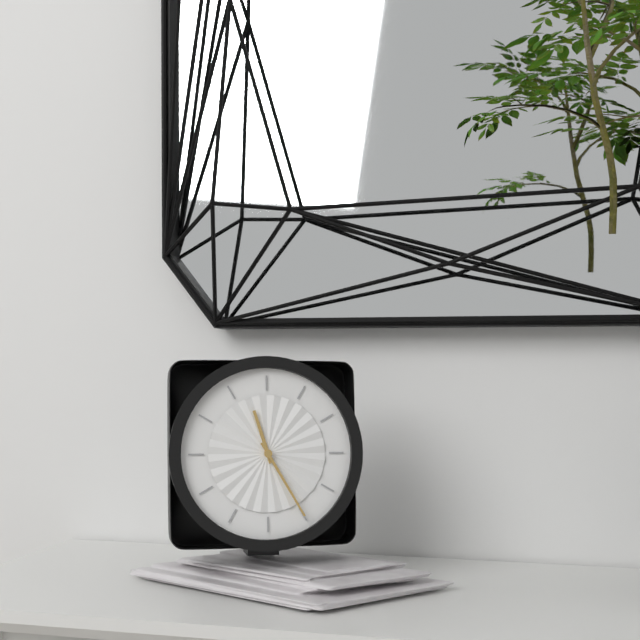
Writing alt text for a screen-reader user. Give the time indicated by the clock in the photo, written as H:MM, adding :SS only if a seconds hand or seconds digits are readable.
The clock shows 11:25
